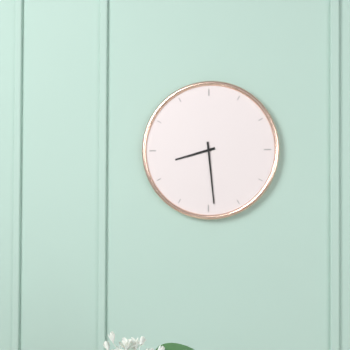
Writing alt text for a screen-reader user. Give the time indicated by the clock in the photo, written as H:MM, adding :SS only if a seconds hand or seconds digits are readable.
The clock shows 8:29
